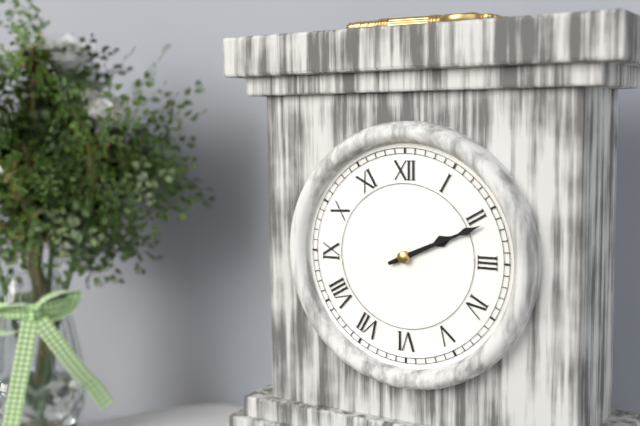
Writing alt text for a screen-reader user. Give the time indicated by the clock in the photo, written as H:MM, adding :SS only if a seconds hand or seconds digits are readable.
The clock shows 2:11
